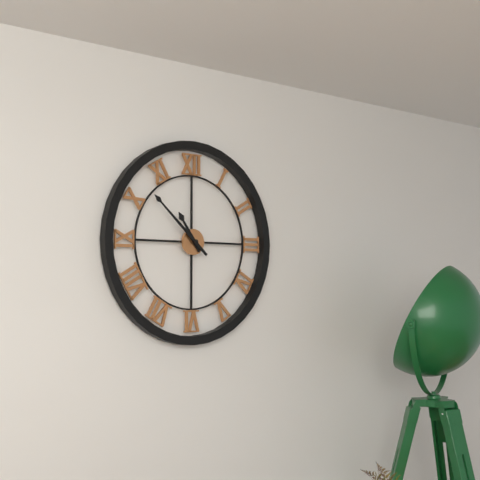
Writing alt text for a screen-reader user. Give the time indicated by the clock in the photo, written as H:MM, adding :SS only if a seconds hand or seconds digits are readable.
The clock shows 10:52
